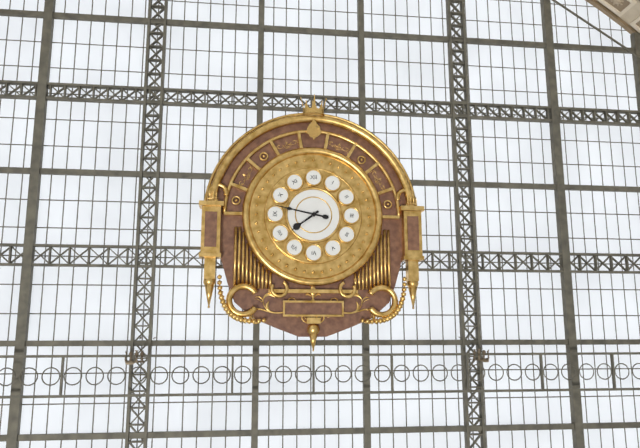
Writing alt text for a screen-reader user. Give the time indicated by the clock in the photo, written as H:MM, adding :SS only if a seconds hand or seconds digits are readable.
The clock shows 7:47
